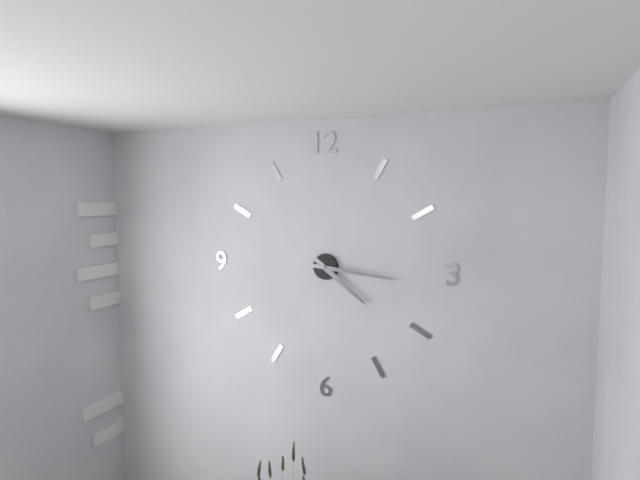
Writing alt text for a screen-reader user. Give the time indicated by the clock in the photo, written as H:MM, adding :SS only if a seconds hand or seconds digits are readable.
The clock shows 4:16
